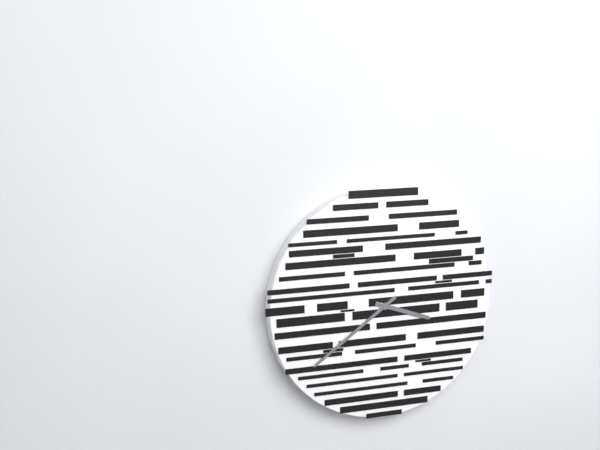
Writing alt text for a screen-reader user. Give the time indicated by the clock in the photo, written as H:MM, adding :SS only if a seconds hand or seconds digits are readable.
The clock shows 3:39
